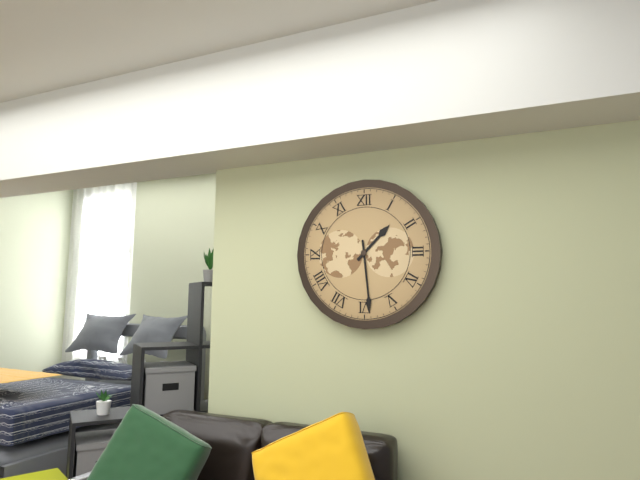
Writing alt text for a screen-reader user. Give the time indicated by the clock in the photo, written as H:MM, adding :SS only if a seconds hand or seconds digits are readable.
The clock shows 1:29
